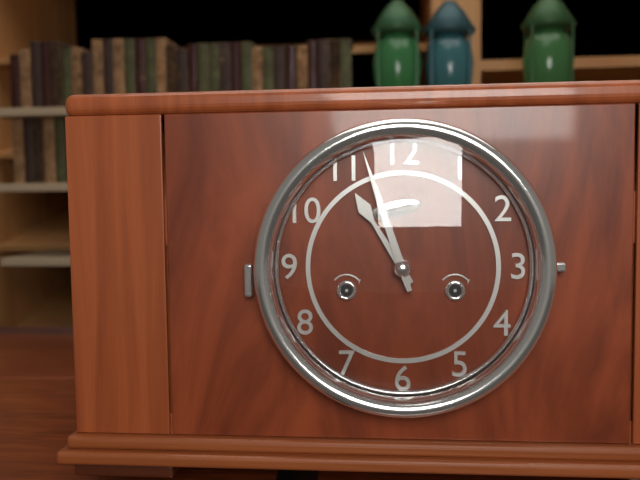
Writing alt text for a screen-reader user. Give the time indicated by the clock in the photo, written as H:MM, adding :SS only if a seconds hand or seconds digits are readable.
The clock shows 10:57
